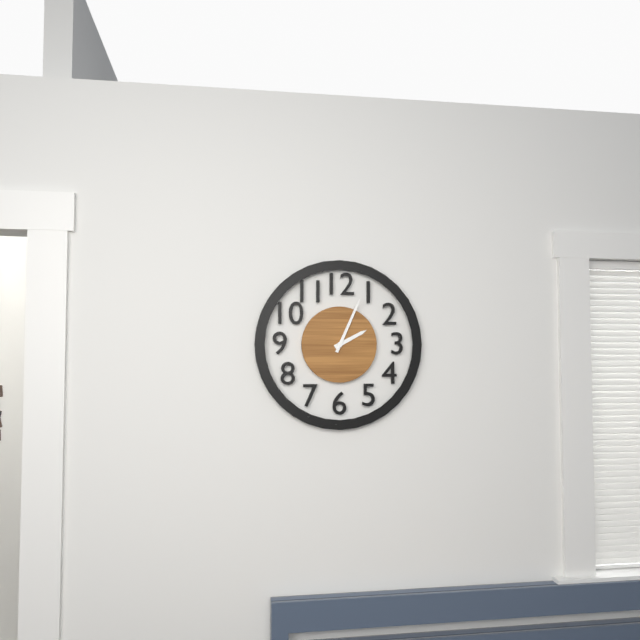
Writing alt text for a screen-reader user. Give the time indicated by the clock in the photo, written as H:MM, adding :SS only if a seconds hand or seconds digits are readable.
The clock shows 2:04
